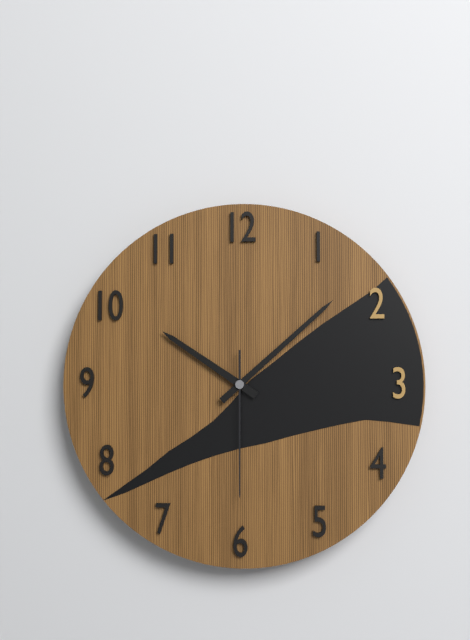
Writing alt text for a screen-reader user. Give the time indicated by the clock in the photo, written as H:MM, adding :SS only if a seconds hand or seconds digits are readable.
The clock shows 10:08:30
